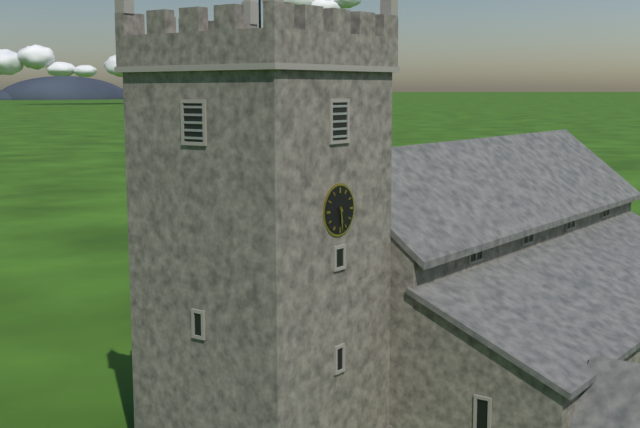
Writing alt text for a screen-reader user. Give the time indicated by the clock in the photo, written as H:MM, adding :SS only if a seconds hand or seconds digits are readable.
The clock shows 5:29
